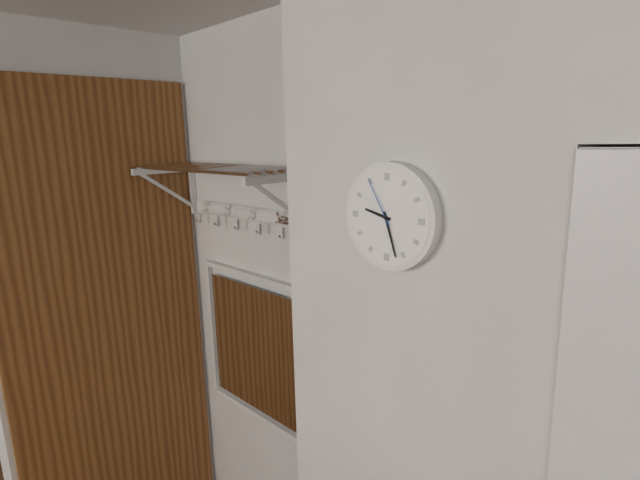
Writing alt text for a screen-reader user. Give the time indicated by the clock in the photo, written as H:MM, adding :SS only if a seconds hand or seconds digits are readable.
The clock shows 9:27:55
